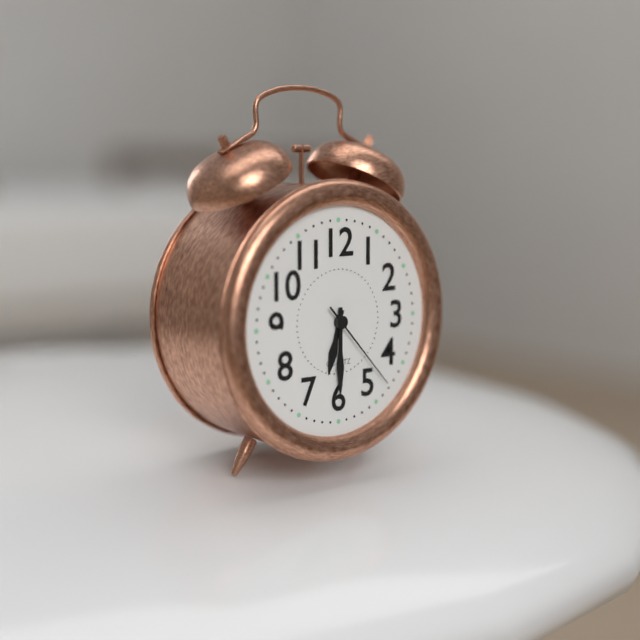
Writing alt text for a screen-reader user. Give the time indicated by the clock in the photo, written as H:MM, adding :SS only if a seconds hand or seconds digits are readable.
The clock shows 6:30:23
